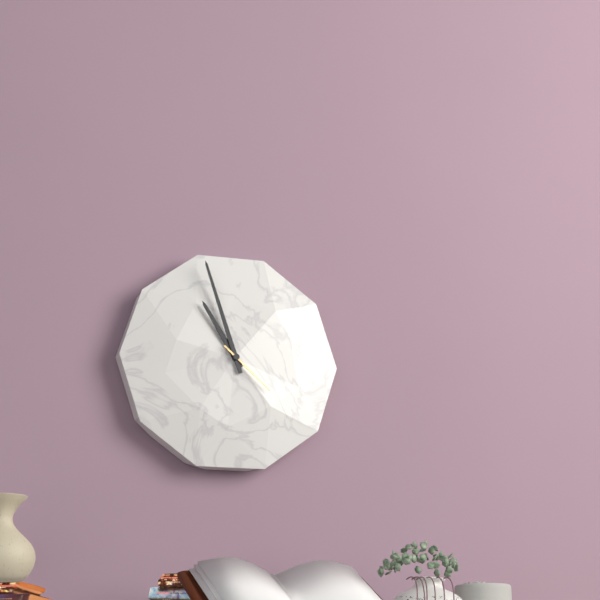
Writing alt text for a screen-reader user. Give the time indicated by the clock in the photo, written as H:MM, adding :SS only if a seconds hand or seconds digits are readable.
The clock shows 10:57:22
